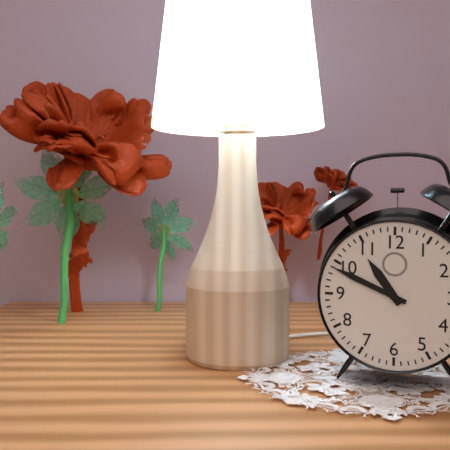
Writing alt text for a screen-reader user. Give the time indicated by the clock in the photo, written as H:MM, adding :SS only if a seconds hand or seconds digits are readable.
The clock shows 10:49
